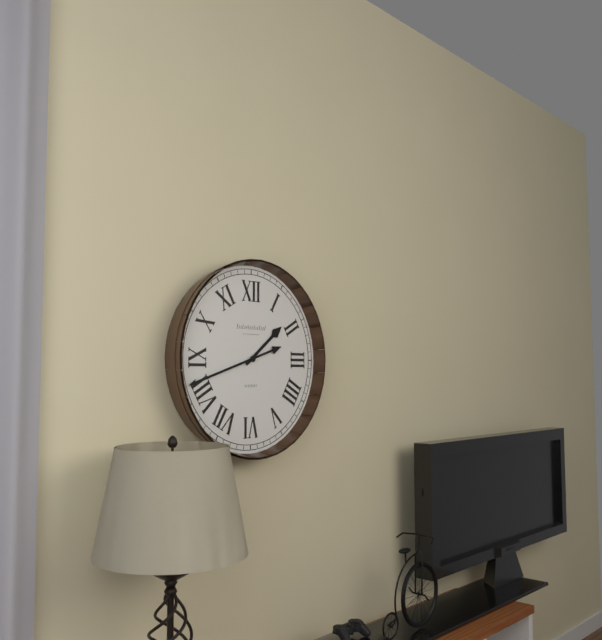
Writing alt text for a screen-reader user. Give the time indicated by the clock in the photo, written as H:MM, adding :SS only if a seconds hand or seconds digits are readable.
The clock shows 1:42
